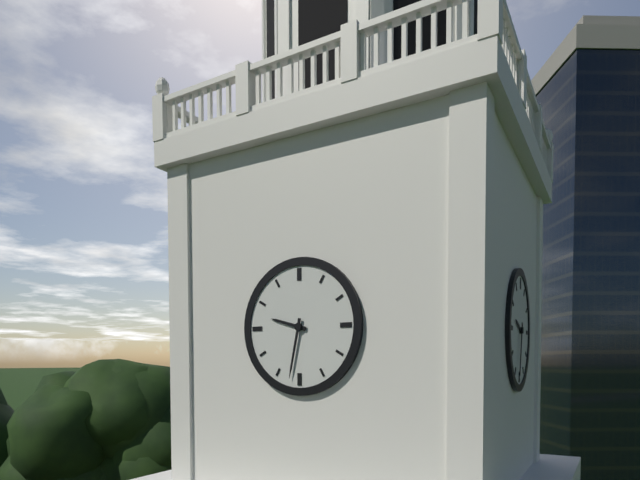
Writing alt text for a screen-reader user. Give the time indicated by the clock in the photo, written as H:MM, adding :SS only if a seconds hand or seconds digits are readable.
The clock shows 9:32
